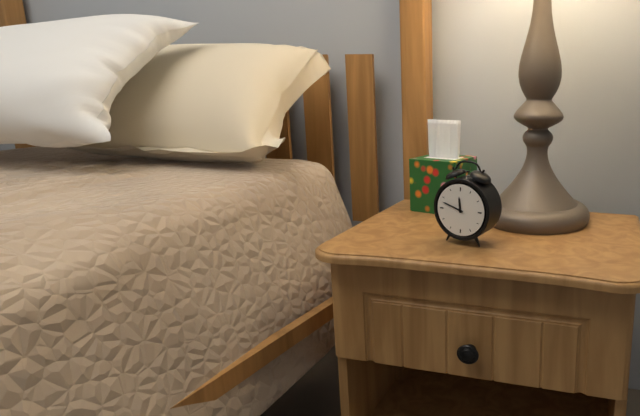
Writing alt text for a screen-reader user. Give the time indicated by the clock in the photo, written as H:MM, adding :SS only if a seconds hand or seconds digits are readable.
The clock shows 11:48
